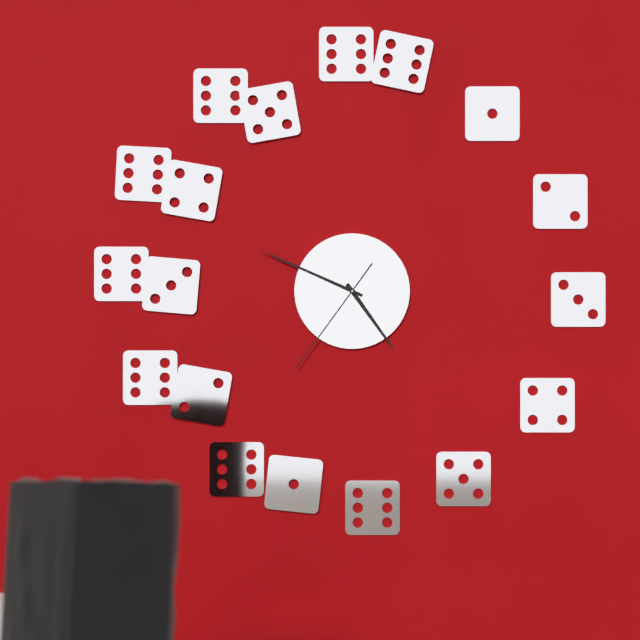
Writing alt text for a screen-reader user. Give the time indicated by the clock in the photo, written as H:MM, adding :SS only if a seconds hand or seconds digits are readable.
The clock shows 4:49:36
